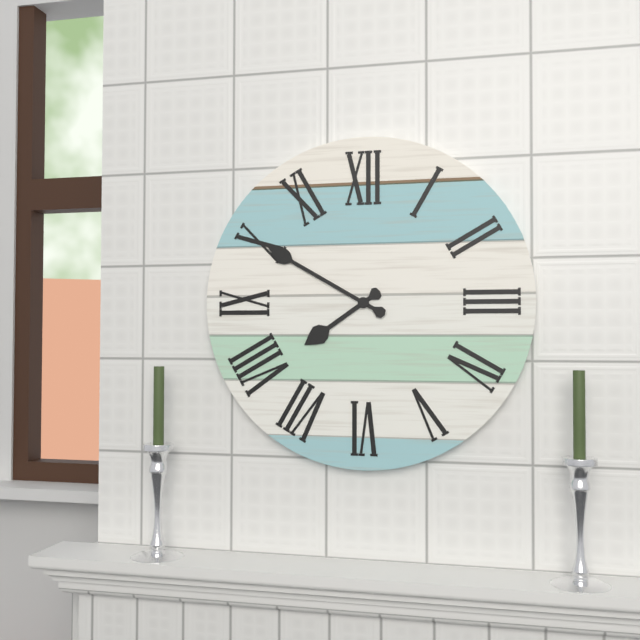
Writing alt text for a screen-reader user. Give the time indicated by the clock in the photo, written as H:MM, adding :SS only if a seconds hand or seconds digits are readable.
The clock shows 7:50
